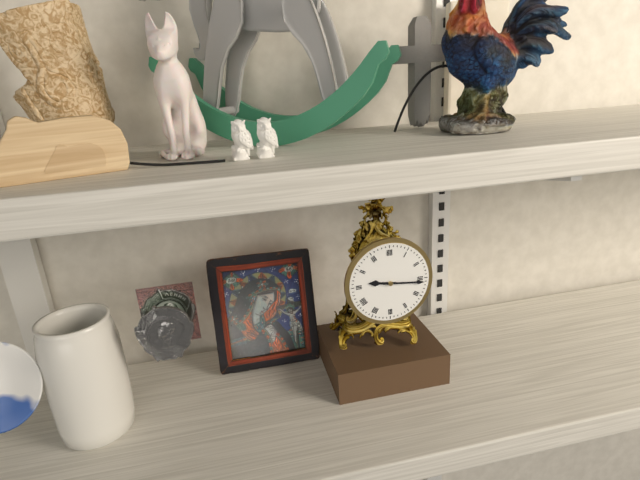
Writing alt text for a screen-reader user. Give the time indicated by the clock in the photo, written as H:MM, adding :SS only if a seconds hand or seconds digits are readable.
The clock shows 9:16
